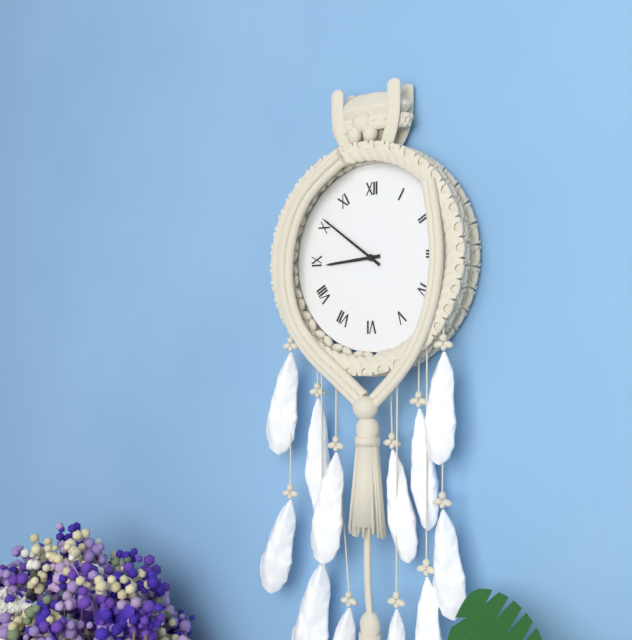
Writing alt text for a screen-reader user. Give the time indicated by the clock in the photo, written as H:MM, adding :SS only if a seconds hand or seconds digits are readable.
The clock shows 8:51
